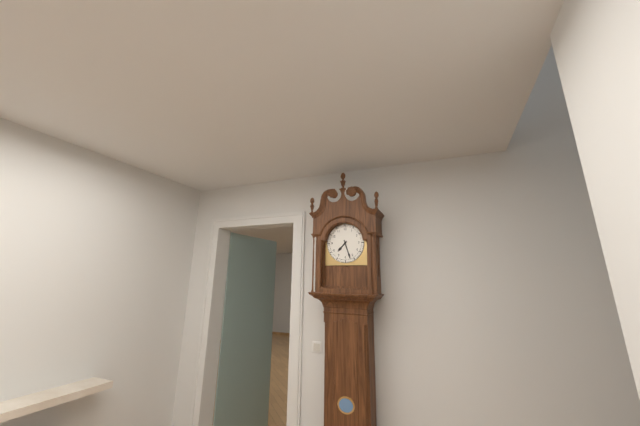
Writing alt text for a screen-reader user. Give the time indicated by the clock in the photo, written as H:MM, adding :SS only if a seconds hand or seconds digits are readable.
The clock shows 7:27
